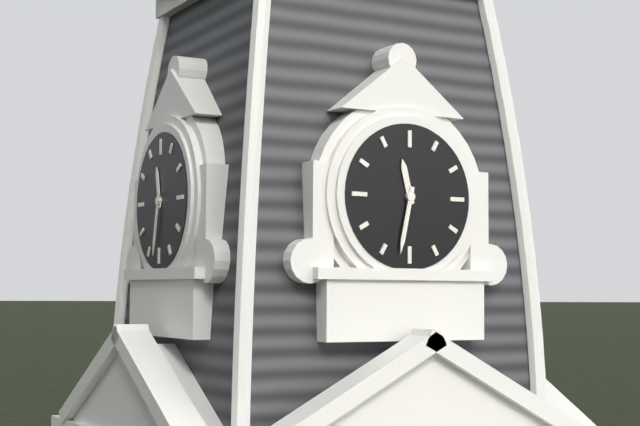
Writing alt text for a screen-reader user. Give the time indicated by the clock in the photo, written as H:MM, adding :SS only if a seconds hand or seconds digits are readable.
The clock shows 11:32
